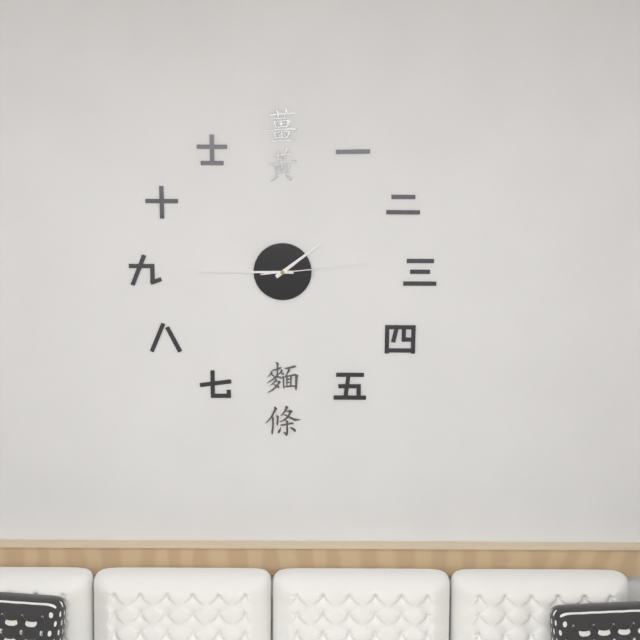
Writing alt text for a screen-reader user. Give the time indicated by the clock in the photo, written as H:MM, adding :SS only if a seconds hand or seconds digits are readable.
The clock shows 1:45:14
